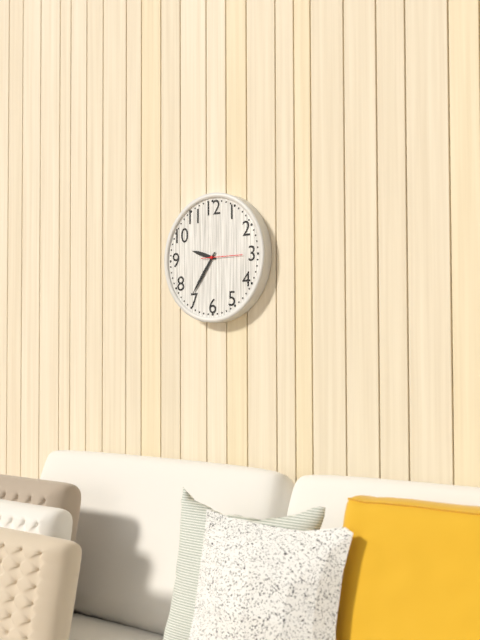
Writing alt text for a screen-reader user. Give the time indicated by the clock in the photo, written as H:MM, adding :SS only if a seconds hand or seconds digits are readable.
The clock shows 9:36
